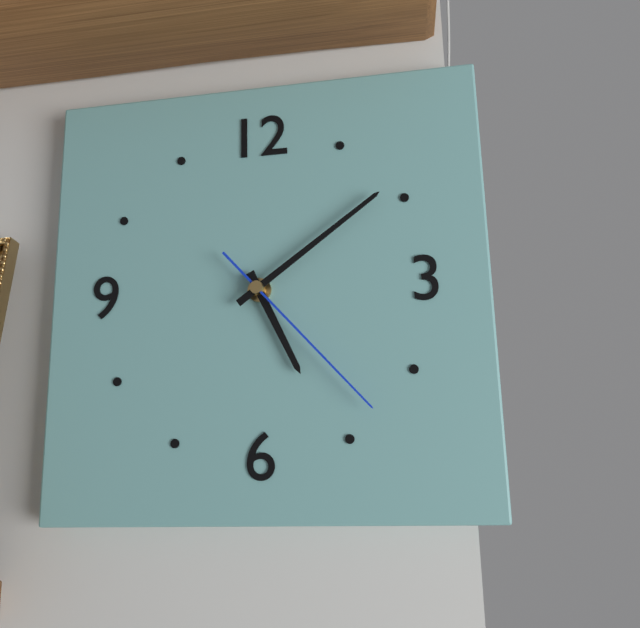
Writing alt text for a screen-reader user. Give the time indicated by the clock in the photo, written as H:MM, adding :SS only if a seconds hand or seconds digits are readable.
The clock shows 5:09:23
